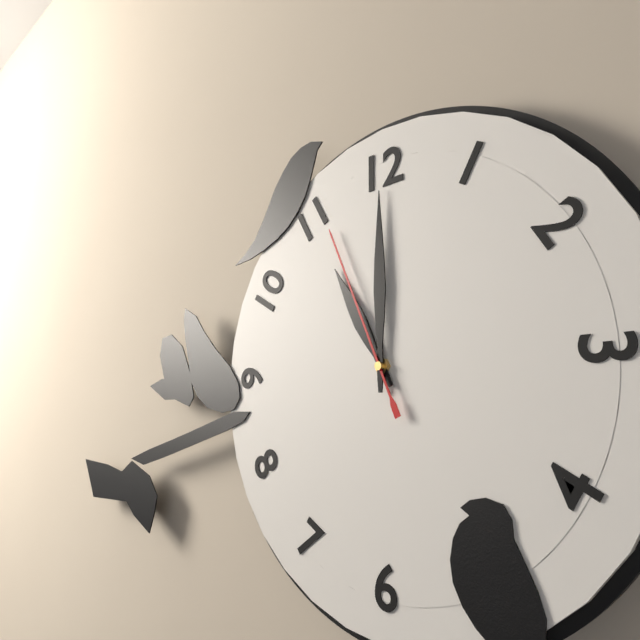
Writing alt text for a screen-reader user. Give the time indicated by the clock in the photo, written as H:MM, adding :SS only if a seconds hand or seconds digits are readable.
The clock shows 11:00:56
